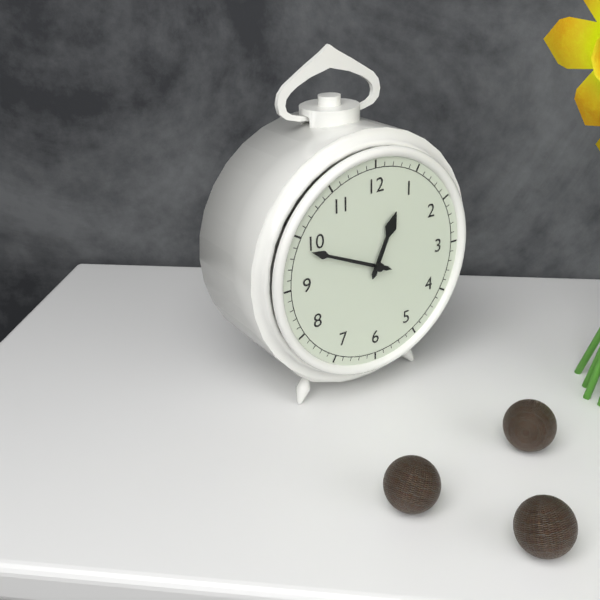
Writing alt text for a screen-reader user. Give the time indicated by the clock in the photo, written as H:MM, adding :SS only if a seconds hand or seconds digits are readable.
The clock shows 12:49
